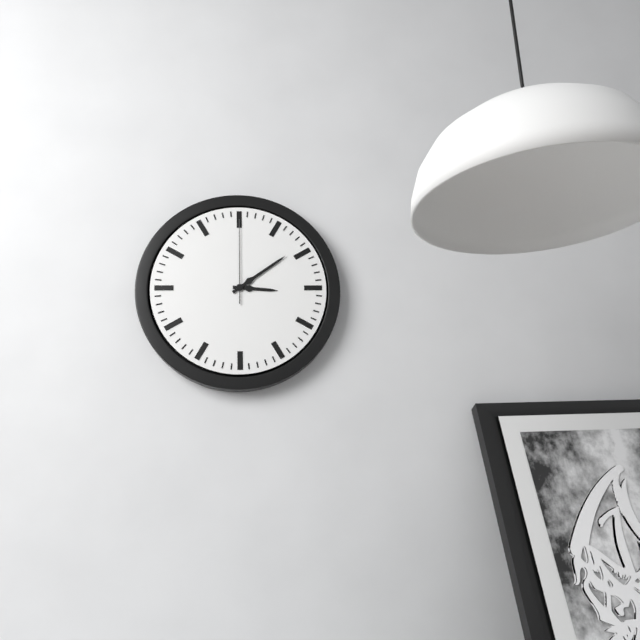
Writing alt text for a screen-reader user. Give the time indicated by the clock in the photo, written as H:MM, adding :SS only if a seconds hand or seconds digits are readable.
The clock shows 3:09:00
